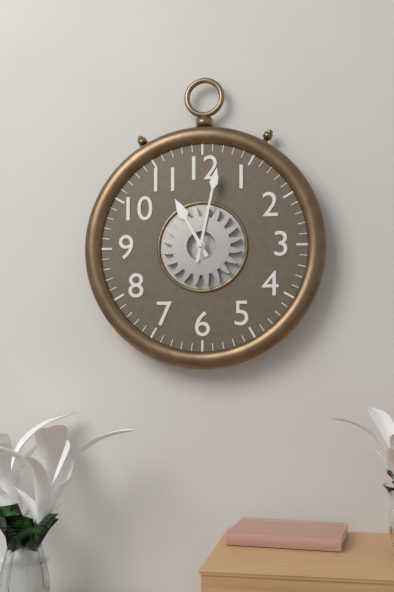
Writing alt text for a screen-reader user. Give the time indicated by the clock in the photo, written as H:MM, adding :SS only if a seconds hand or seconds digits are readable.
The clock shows 11:02
